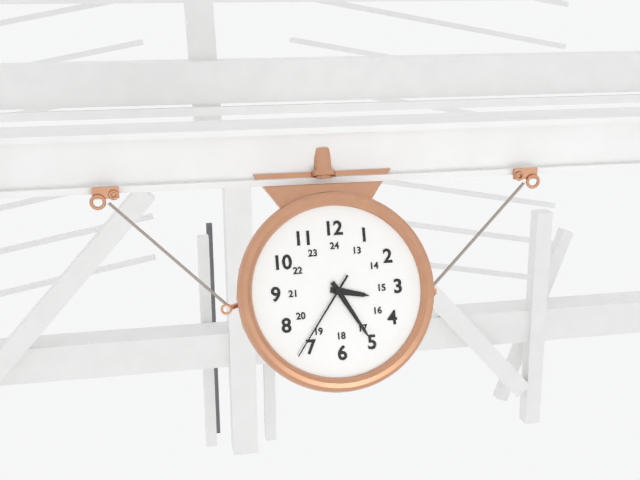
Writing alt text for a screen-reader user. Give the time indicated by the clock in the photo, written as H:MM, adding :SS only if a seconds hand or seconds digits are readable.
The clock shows 3:25:36
